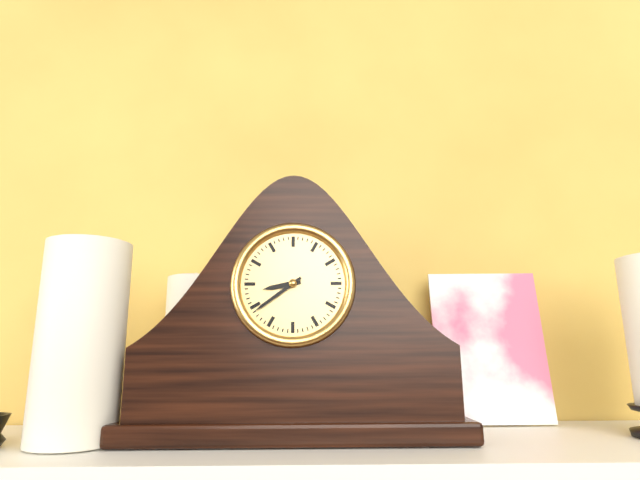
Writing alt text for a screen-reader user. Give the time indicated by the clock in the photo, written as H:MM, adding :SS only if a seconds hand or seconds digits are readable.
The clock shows 8:39
